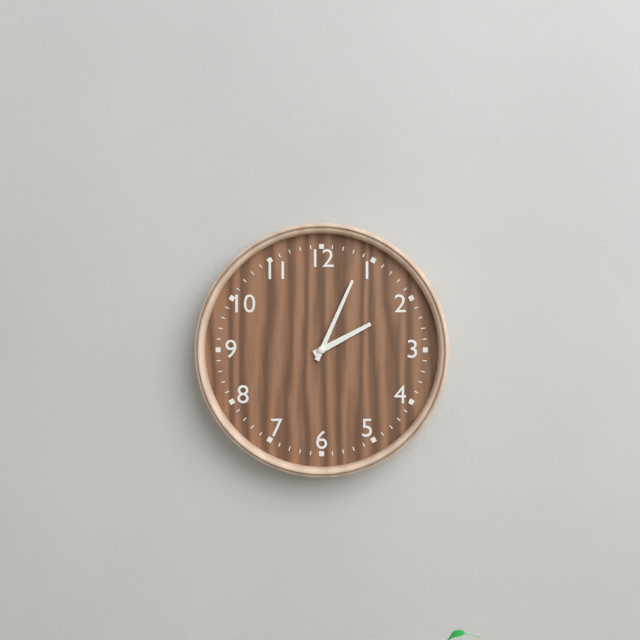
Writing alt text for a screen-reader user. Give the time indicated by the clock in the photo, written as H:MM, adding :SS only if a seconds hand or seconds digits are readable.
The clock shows 2:04
